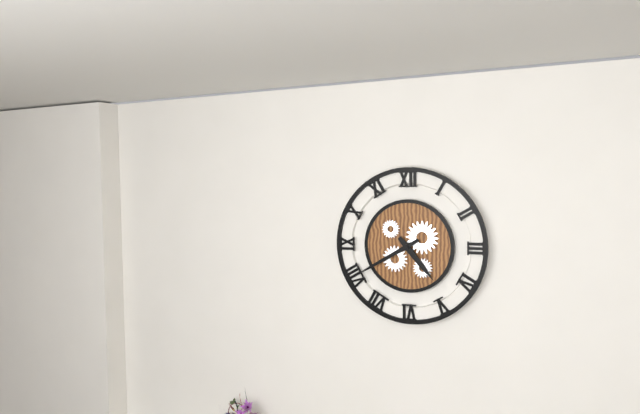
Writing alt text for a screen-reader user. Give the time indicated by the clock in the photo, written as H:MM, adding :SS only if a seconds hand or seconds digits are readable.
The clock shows 4:40
